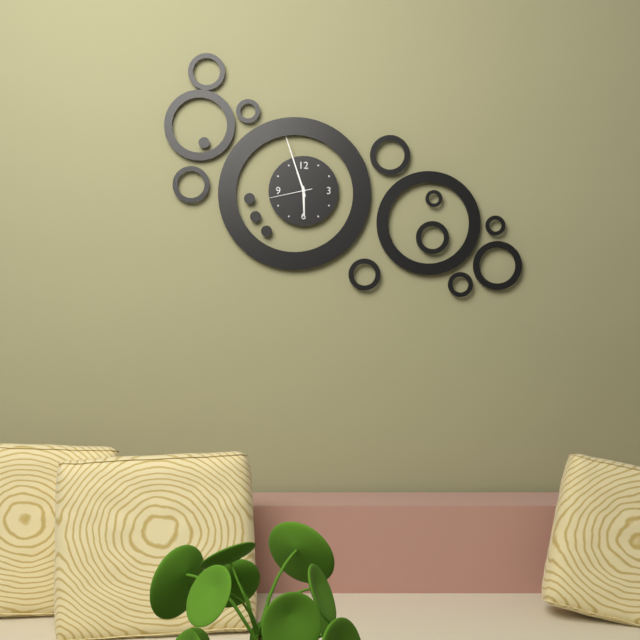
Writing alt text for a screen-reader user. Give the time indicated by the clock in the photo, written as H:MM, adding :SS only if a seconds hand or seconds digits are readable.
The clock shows 5:57
